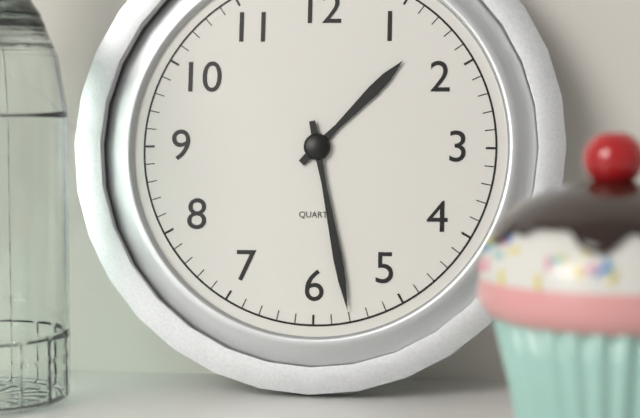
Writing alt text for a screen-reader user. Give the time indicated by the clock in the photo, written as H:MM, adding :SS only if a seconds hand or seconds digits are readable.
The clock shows 1:28
